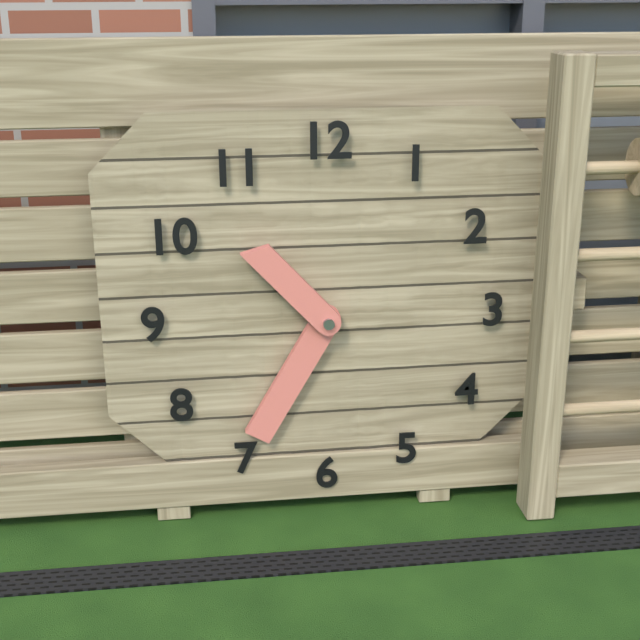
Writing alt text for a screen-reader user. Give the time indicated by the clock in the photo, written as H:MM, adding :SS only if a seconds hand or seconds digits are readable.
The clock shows 10:35
